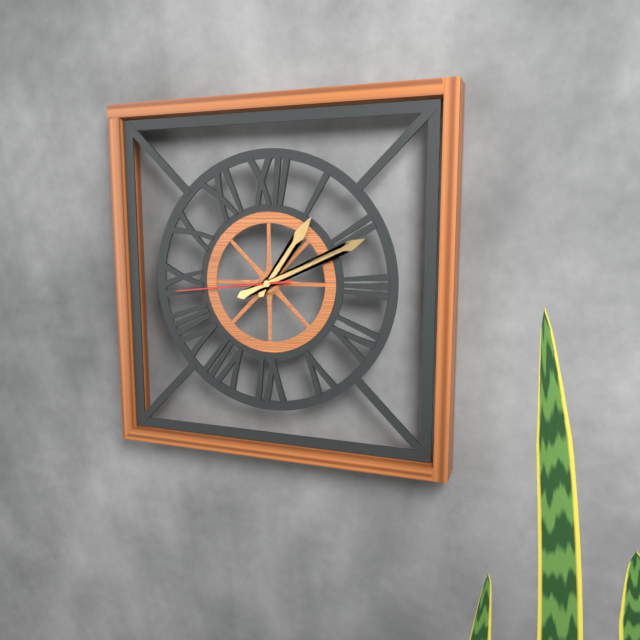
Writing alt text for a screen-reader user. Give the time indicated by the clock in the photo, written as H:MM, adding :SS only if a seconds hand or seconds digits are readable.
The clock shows 1:11:44
